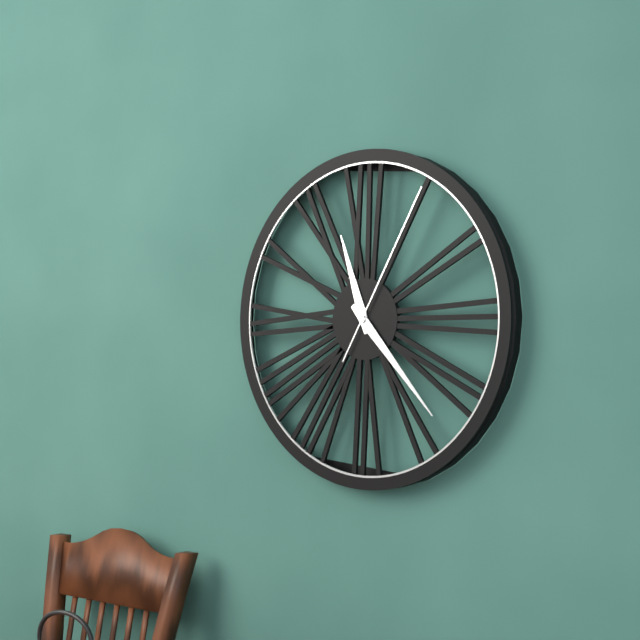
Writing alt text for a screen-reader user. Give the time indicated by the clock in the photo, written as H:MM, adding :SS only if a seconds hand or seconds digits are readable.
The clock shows 11:23:05
